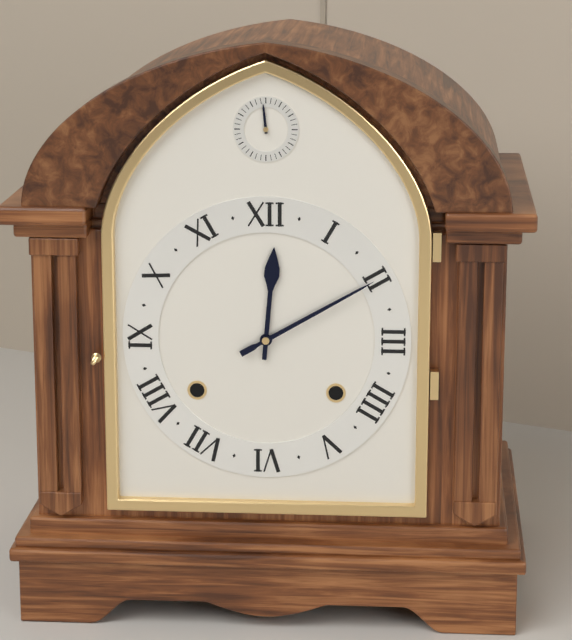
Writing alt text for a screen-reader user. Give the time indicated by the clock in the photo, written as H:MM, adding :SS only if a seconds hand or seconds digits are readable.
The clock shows 12:10
